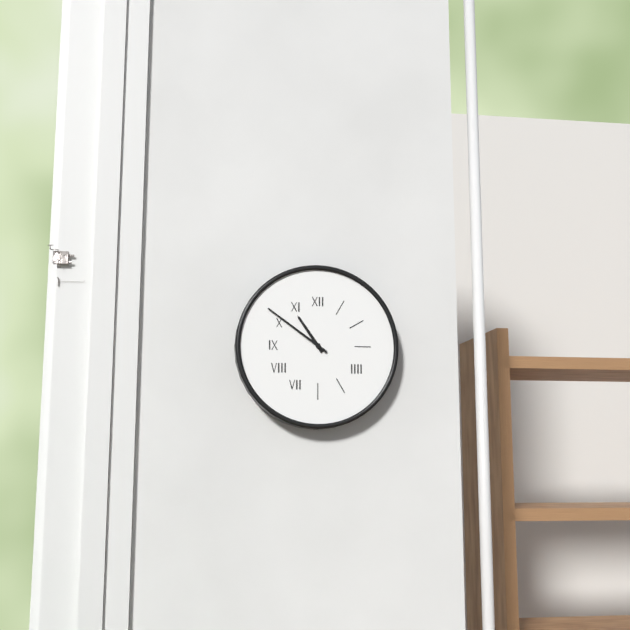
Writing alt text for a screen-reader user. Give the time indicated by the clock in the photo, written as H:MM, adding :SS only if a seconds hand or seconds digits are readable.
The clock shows 10:51
